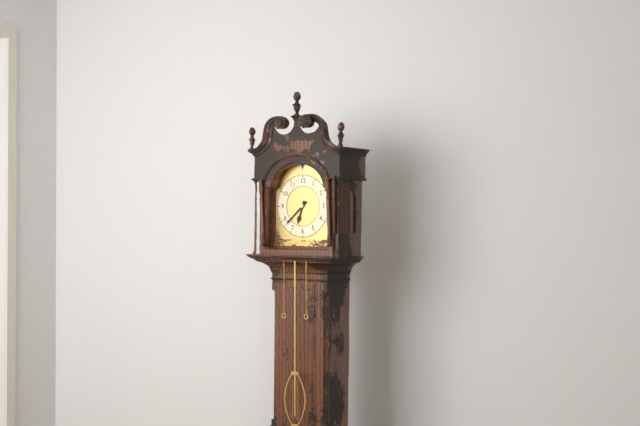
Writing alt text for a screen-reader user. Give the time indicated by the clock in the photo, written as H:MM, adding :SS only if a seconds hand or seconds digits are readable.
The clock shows 6:38
